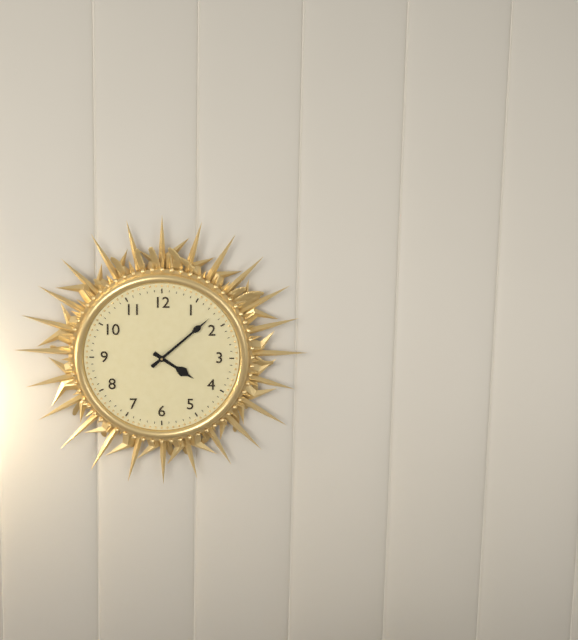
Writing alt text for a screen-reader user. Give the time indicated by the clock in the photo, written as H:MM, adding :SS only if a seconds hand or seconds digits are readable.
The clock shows 4:08
